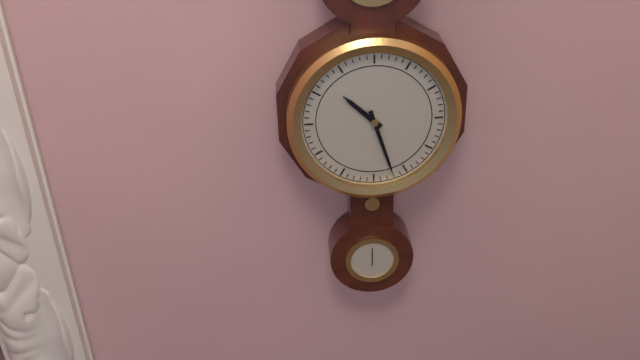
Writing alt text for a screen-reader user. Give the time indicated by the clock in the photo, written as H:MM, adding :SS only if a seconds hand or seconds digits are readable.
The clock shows 10:27
